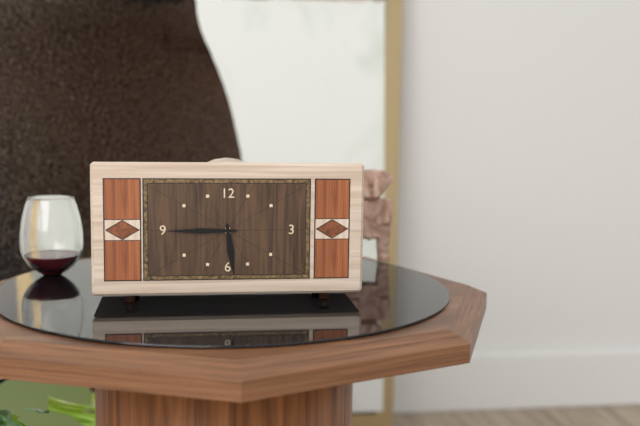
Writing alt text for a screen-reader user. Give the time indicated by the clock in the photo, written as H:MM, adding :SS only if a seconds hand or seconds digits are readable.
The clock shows 5:45
